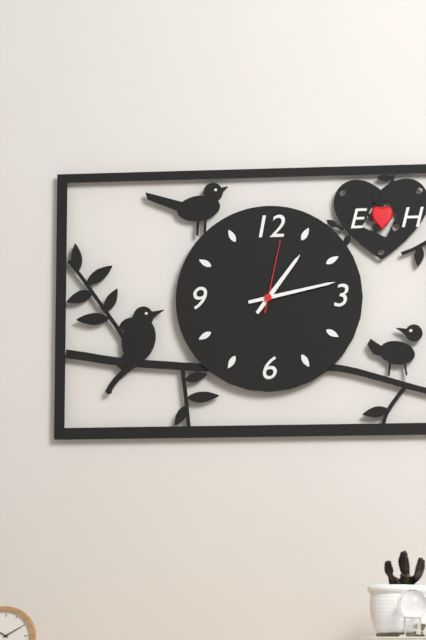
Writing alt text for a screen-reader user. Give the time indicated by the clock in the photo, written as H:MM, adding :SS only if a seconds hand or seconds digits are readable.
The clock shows 1:13:02
